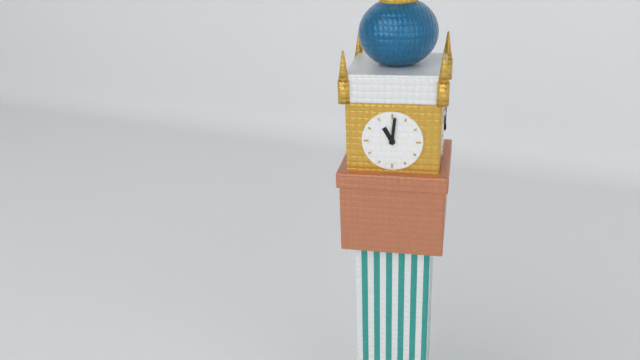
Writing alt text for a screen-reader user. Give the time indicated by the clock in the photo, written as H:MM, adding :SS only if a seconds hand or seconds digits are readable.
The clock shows 11:01
